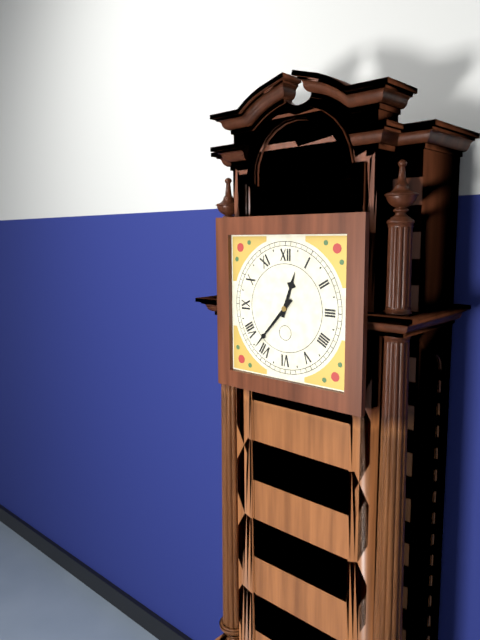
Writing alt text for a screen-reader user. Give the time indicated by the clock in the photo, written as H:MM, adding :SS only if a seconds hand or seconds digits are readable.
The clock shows 12:37
